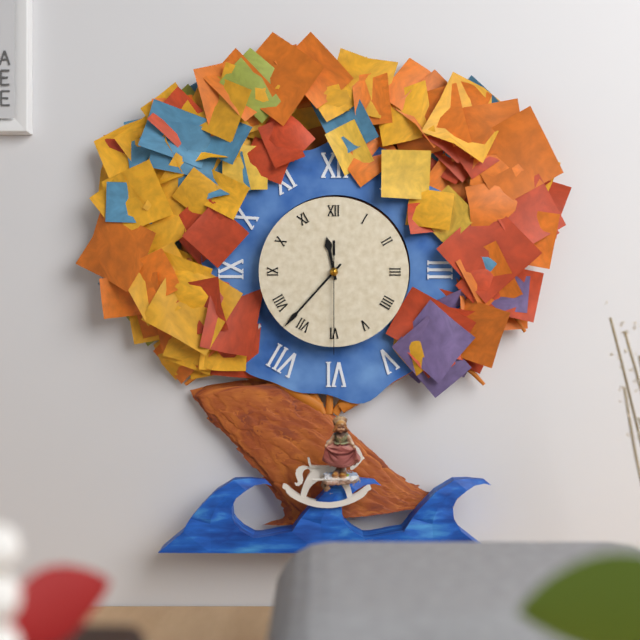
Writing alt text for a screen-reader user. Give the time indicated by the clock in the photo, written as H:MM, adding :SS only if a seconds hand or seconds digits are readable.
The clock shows 11:37:30
